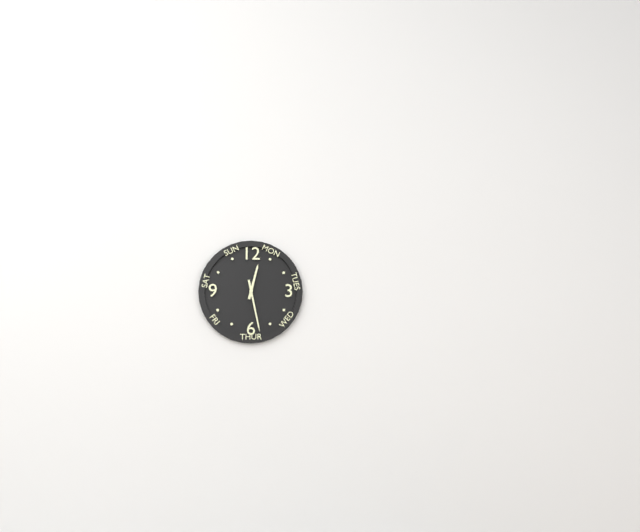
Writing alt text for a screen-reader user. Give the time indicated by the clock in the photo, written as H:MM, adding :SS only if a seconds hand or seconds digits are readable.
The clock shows 12:28
